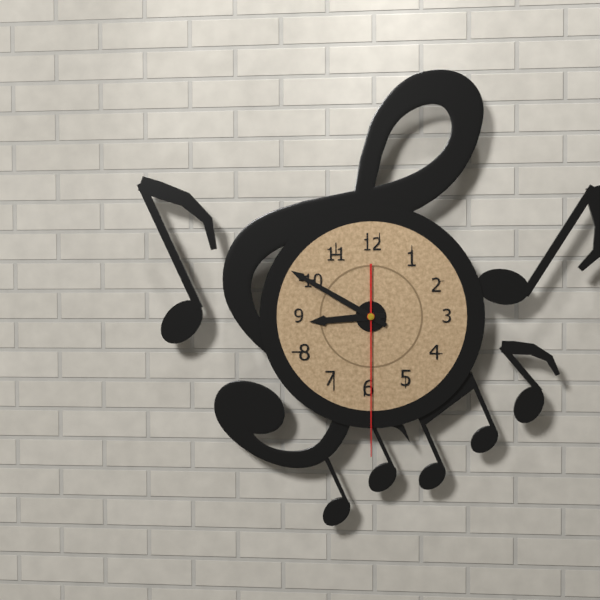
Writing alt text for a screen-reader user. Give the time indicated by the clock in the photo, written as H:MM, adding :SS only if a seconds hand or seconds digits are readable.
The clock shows 8:50:30
